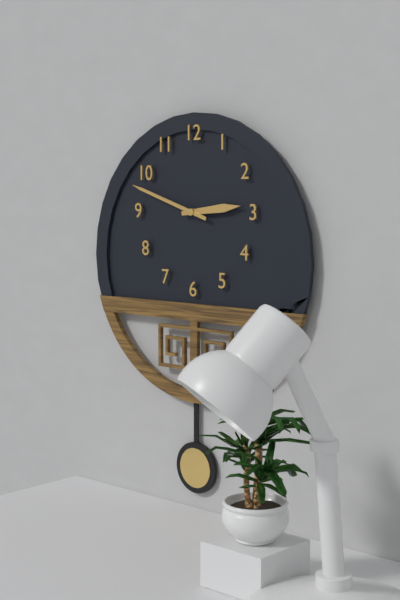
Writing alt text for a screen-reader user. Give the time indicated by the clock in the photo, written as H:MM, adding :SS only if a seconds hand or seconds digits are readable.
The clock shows 2:48
